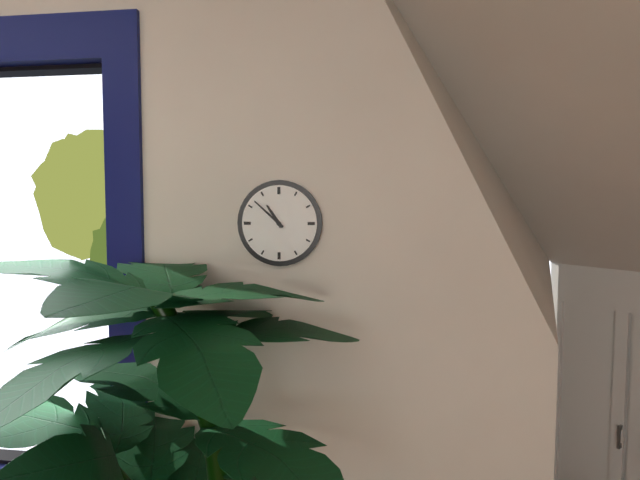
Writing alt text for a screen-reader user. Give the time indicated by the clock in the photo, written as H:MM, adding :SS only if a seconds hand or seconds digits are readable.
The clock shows 10:52
